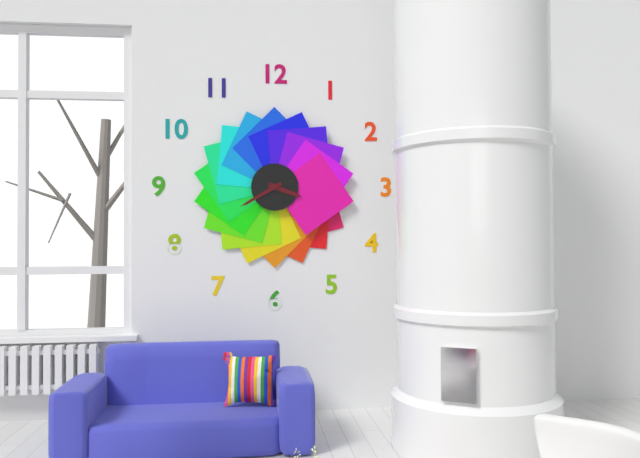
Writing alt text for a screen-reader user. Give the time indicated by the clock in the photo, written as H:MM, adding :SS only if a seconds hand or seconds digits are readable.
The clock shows 3:40
